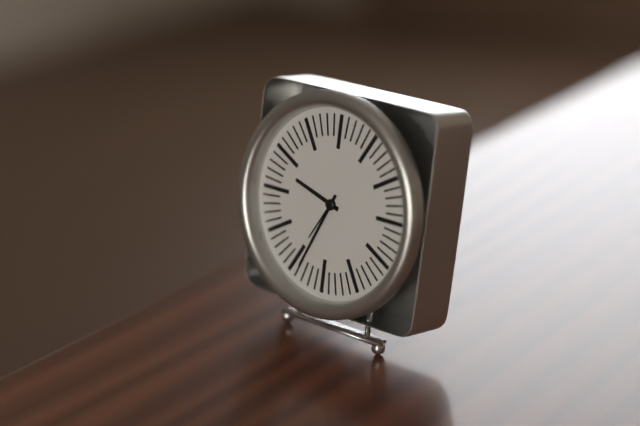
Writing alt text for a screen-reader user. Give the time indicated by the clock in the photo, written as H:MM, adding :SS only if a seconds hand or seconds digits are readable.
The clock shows 9:34
